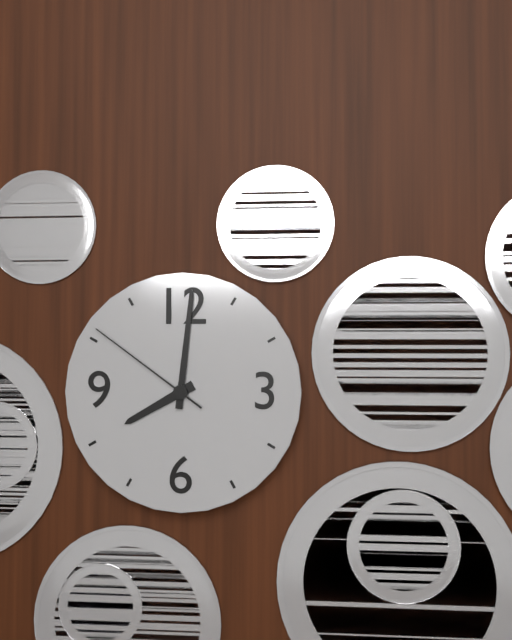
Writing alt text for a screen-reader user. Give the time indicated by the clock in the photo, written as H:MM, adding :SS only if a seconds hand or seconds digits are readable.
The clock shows 8:01:51
